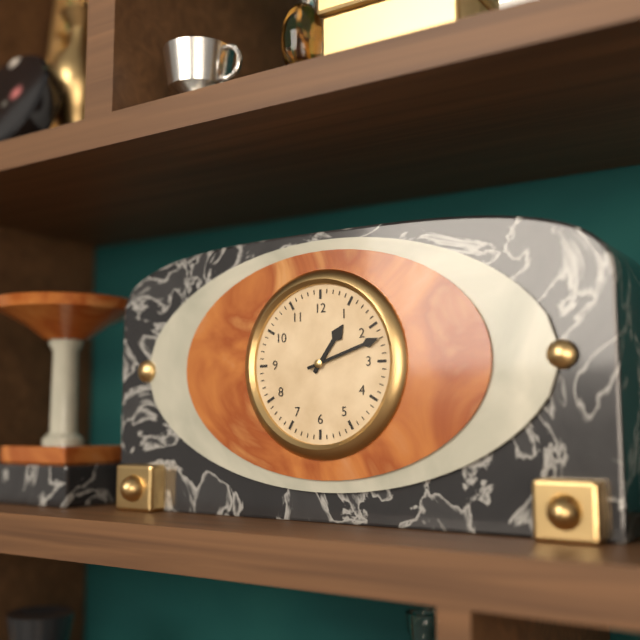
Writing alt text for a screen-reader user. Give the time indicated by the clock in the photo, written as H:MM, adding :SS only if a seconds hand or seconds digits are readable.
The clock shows 1:12
